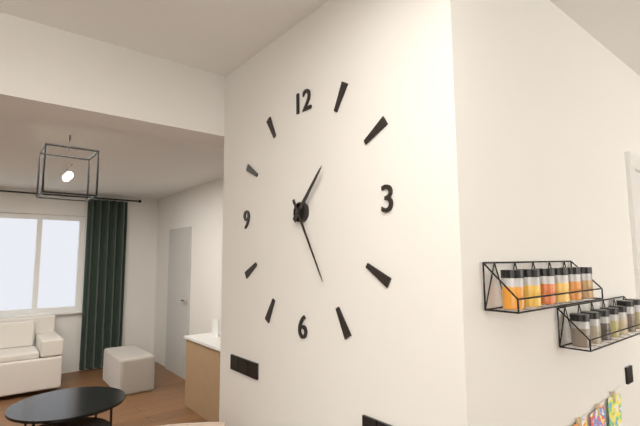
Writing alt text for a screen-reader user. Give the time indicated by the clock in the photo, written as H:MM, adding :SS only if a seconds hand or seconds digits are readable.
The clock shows 1:25
